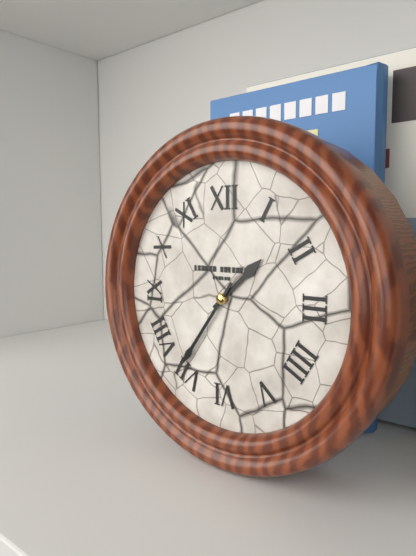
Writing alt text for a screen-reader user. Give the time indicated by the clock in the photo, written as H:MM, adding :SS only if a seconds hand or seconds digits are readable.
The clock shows 1:36
